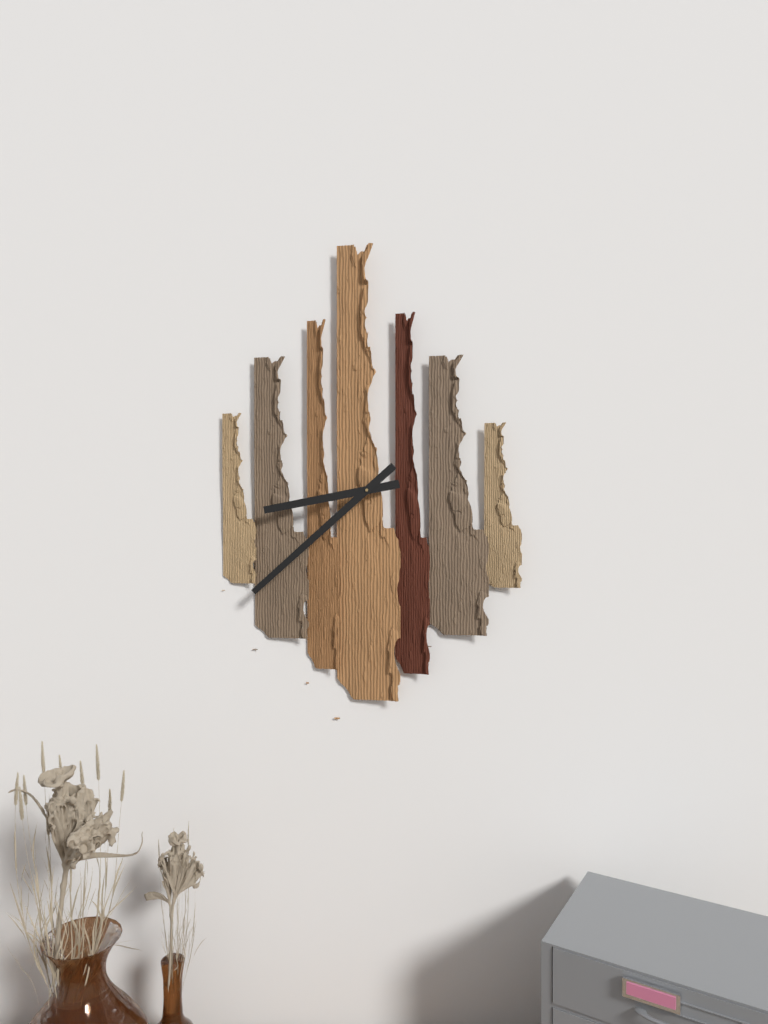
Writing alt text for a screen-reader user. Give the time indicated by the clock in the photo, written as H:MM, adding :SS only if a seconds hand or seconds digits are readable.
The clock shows 8:38
